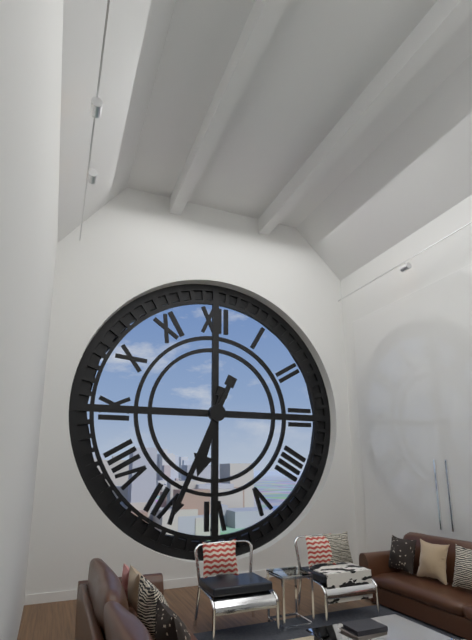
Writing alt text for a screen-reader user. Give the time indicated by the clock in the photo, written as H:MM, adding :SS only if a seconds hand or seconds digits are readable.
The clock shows 6:34
